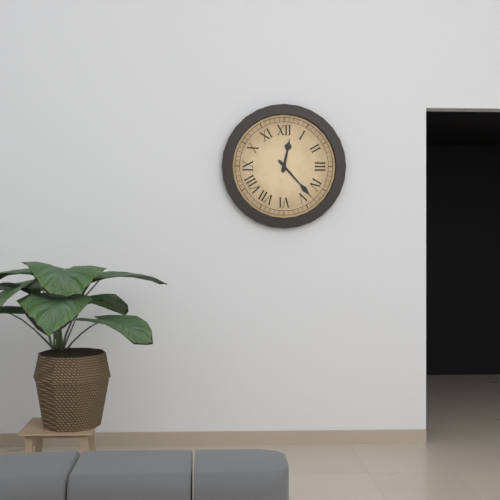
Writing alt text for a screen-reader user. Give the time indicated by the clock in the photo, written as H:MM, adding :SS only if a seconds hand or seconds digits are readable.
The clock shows 12:23
